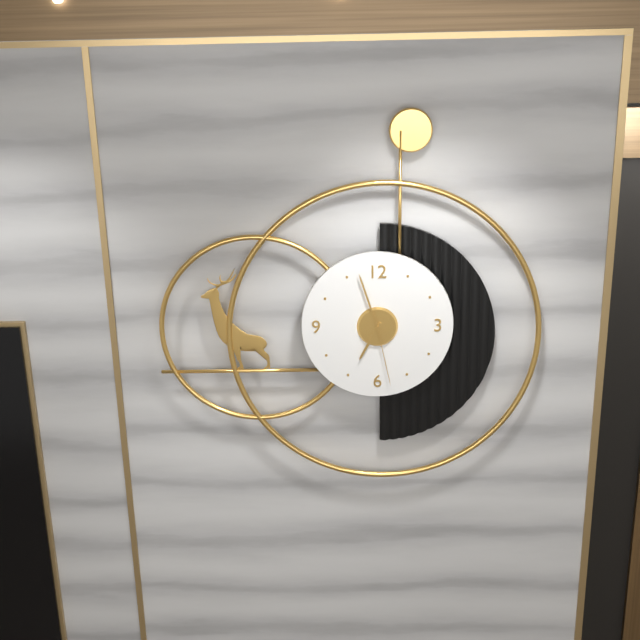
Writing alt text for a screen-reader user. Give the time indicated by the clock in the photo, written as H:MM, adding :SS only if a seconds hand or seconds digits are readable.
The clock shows 6:57:28
